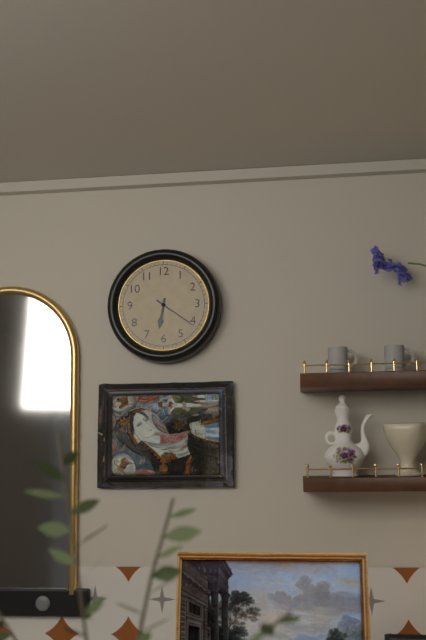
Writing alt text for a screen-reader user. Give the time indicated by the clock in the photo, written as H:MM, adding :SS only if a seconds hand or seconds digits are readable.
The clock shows 6:21
